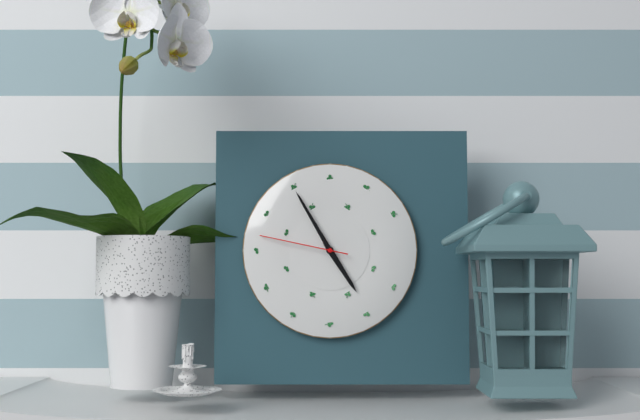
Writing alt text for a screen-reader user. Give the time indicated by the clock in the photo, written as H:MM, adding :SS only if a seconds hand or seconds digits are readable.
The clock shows 4:55:47
